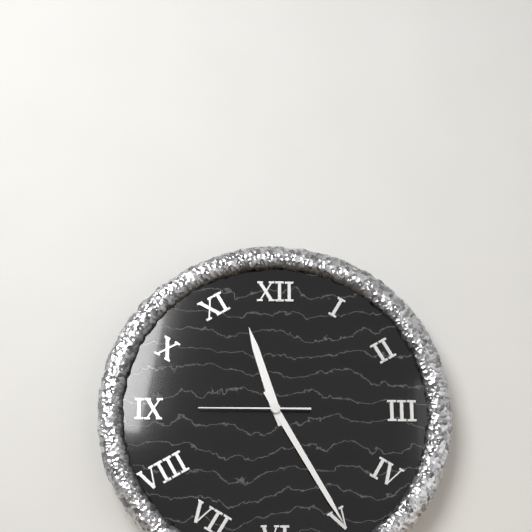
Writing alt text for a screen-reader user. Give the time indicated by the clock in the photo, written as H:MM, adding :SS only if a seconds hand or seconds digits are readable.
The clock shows 11:25:45
